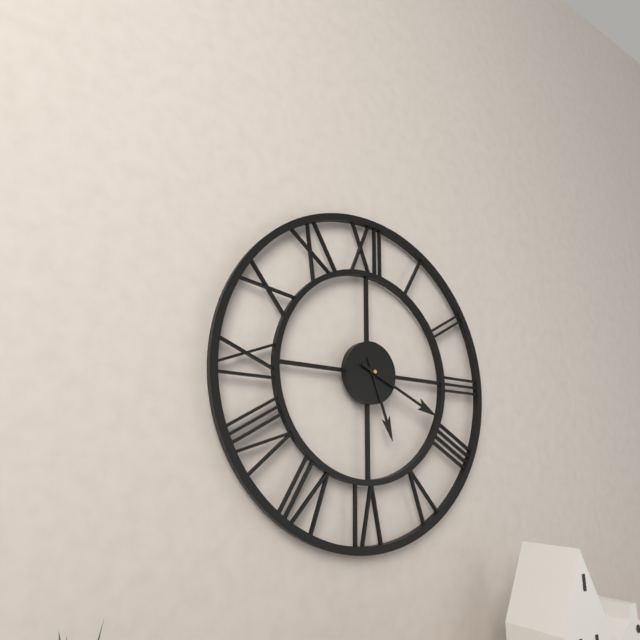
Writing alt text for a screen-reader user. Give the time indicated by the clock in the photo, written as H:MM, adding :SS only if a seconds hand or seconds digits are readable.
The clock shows 5:19
